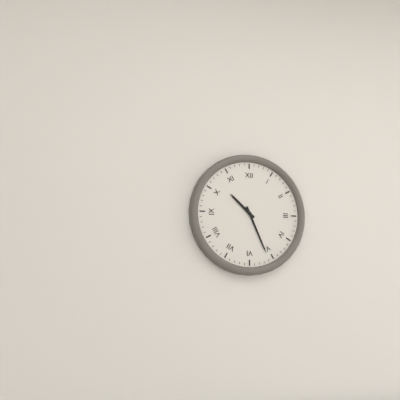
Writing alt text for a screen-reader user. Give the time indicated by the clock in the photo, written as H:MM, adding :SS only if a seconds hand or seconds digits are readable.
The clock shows 10:26
